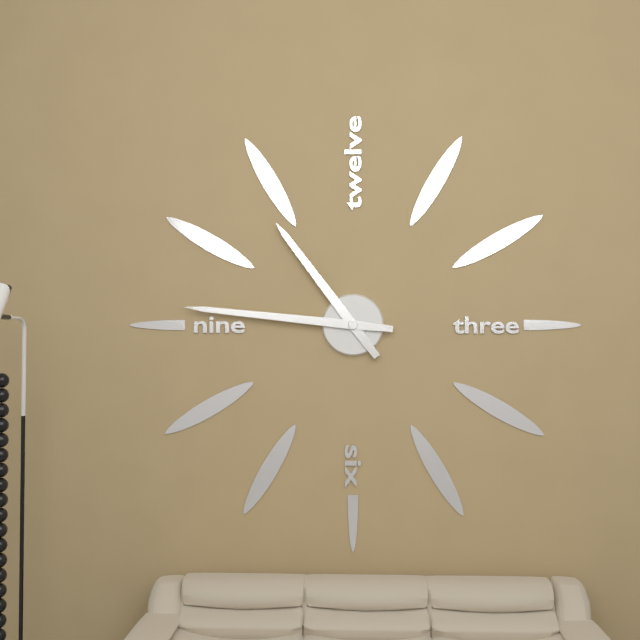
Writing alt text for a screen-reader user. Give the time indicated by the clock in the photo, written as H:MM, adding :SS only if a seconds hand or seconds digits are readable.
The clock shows 10:46
